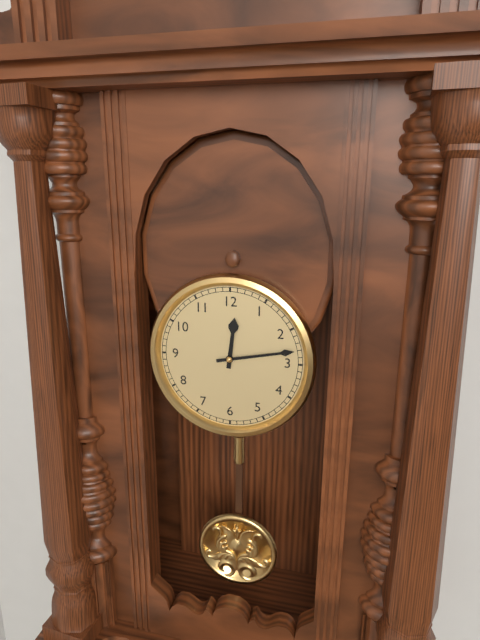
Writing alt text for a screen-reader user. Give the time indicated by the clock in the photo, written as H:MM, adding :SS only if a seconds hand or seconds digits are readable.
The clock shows 12:13
